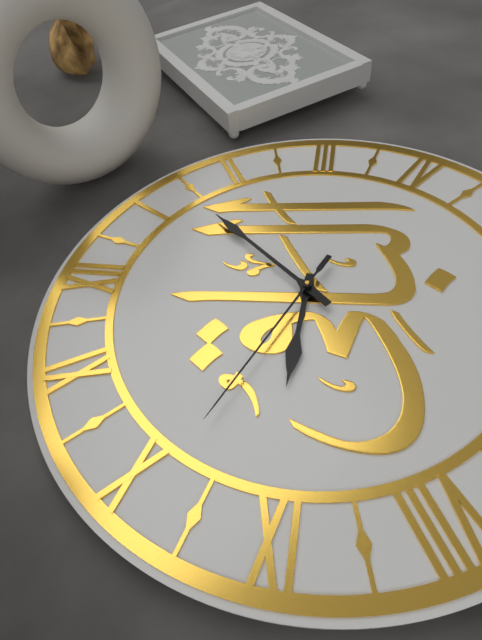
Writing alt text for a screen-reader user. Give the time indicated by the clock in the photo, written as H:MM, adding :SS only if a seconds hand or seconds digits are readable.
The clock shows 9:07:49
